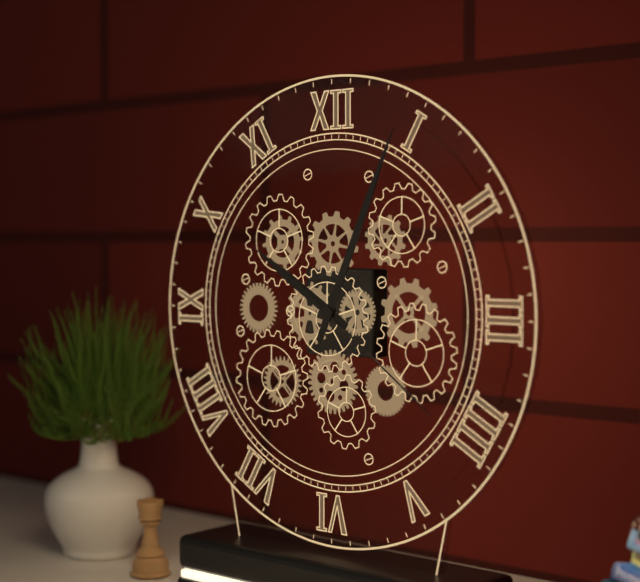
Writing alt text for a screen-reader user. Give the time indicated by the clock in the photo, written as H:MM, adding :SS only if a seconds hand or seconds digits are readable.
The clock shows 10:04:21
